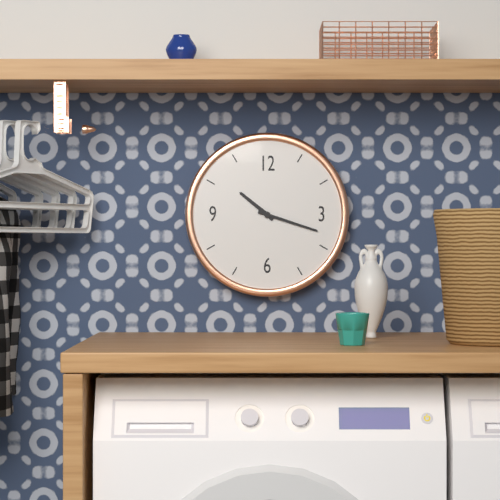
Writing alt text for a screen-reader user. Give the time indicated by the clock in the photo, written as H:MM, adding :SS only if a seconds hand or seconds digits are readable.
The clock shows 10:18
